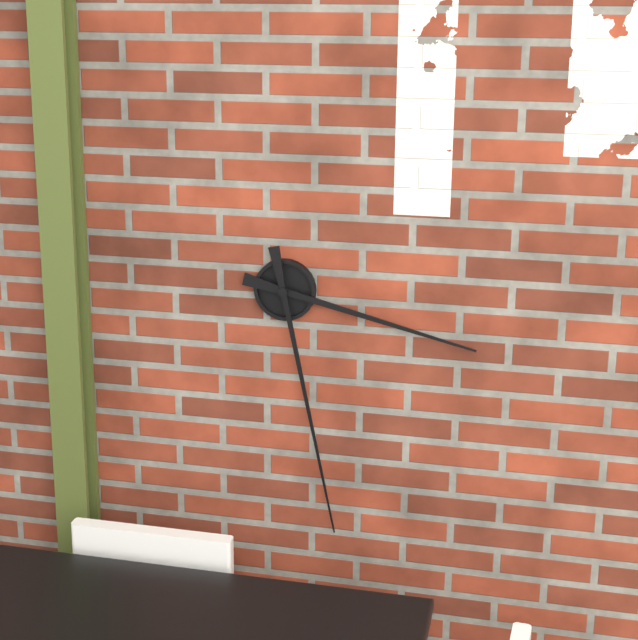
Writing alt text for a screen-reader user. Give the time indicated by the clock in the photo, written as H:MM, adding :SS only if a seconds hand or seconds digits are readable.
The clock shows 3:28
